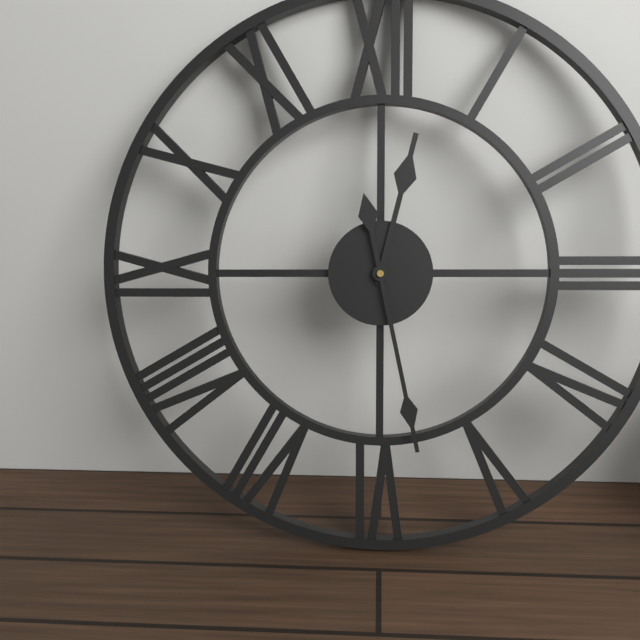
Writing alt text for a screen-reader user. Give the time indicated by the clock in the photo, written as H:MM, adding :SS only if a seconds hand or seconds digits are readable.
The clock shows 12:28
